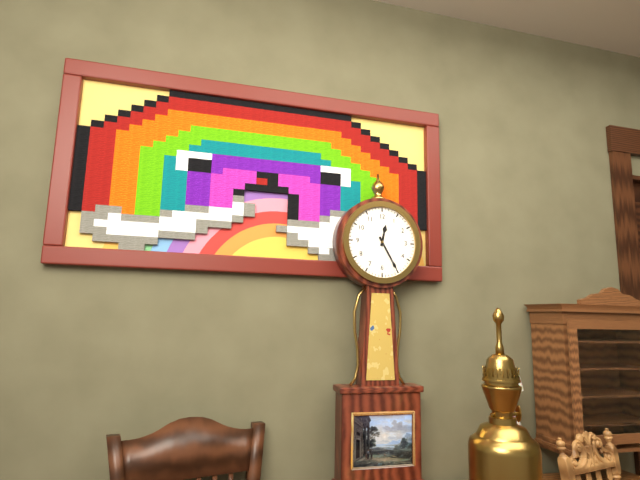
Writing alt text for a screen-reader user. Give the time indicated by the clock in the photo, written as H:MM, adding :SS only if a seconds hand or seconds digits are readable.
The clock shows 12:25
